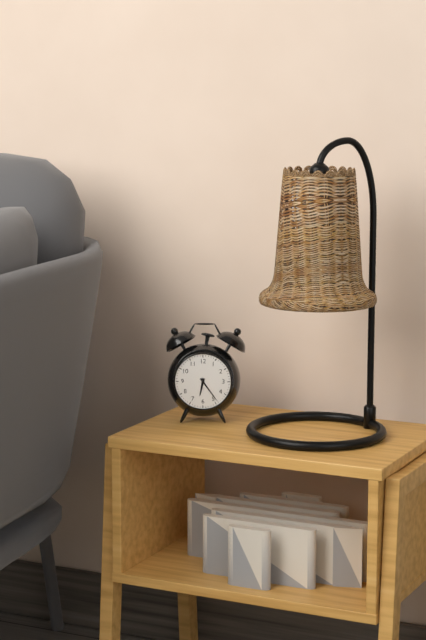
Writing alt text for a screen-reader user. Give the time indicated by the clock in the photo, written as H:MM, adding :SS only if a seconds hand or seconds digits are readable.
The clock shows 6:24
